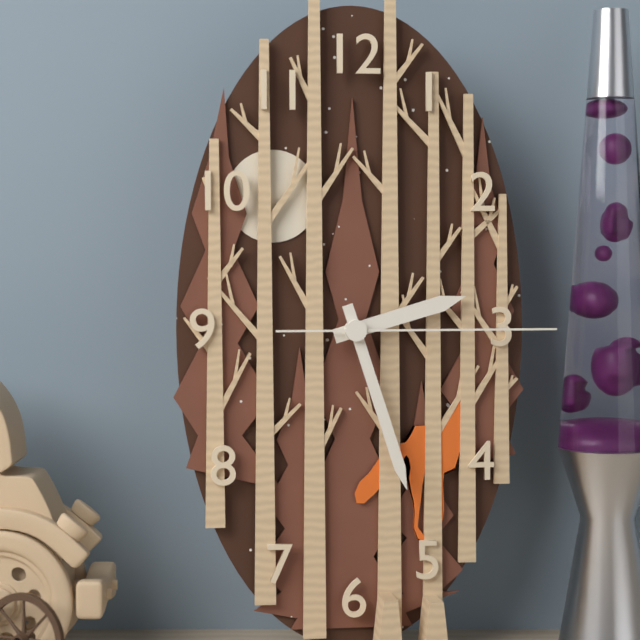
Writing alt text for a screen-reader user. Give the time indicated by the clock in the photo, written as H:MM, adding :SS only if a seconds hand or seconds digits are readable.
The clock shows 2:27:15
